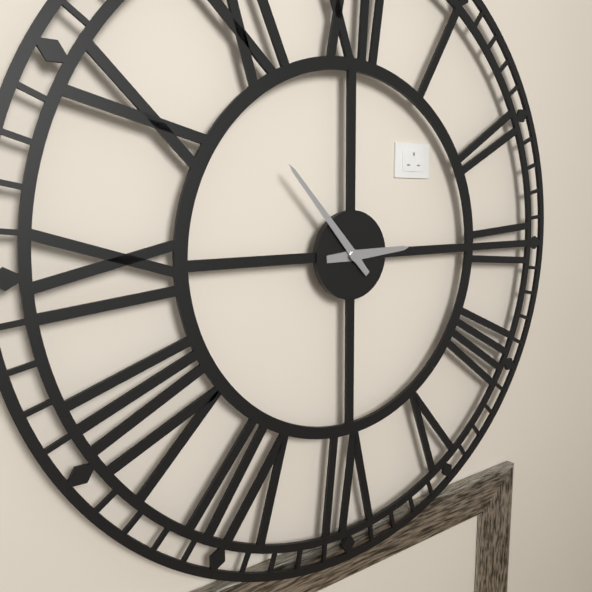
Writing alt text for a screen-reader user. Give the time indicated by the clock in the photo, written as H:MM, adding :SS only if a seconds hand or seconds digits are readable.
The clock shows 2:53
